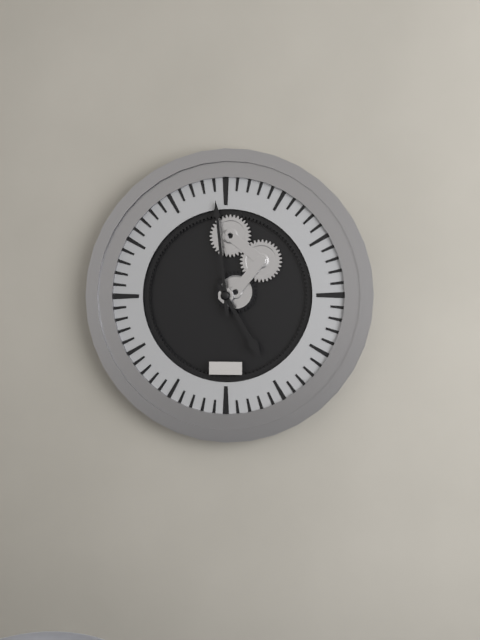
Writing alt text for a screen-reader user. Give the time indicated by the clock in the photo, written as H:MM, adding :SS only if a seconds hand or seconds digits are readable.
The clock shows 4:59
